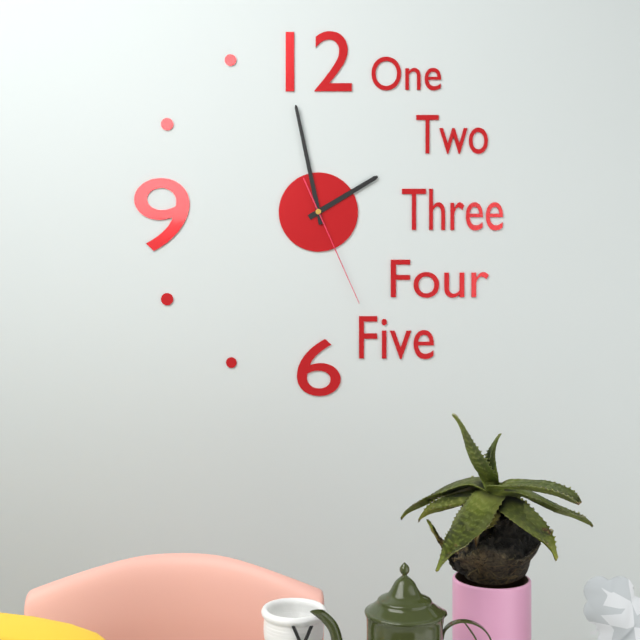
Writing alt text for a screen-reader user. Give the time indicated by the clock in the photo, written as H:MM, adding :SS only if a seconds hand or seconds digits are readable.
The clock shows 1:58:26
